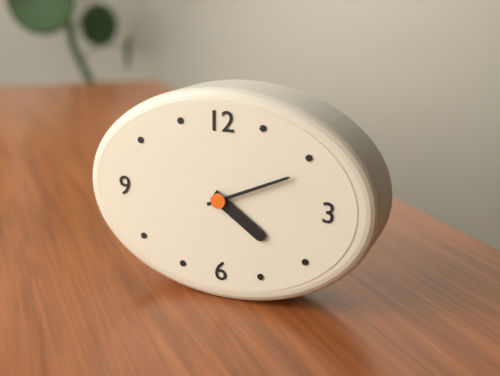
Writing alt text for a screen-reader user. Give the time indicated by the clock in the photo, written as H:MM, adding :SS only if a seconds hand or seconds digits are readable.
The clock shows 4:11
